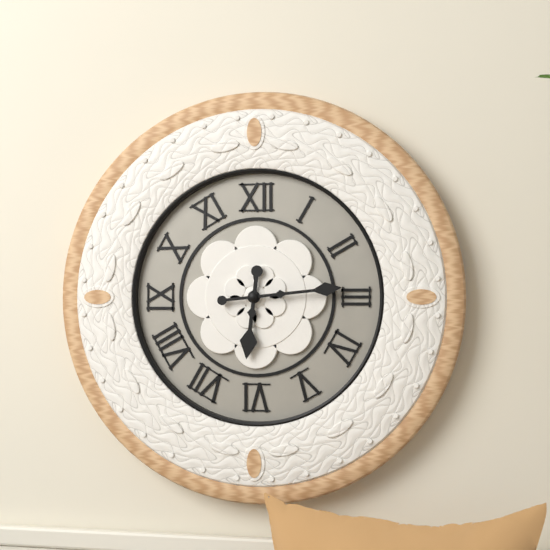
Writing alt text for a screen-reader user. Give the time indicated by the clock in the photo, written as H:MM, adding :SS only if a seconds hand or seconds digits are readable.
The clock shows 6:14
